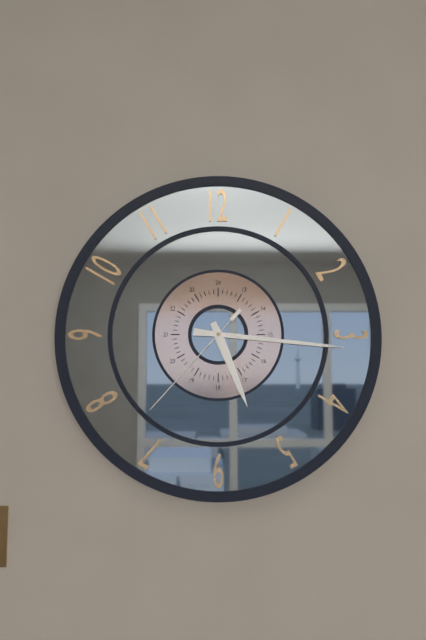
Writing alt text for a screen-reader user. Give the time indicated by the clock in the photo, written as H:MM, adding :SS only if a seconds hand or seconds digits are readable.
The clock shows 5:16:37
